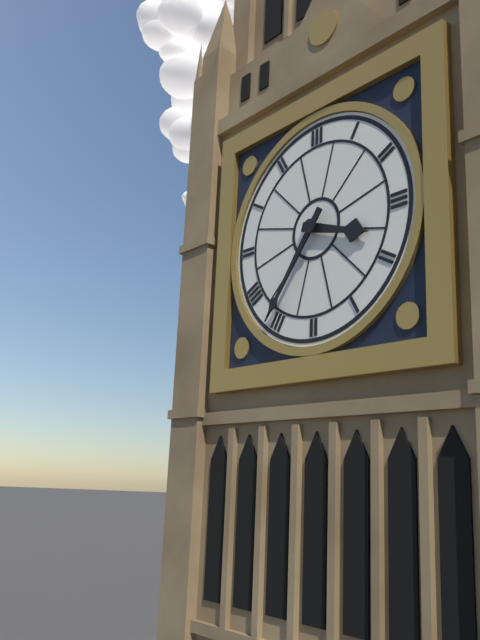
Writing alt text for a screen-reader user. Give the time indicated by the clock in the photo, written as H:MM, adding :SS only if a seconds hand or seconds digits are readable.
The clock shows 3:36
